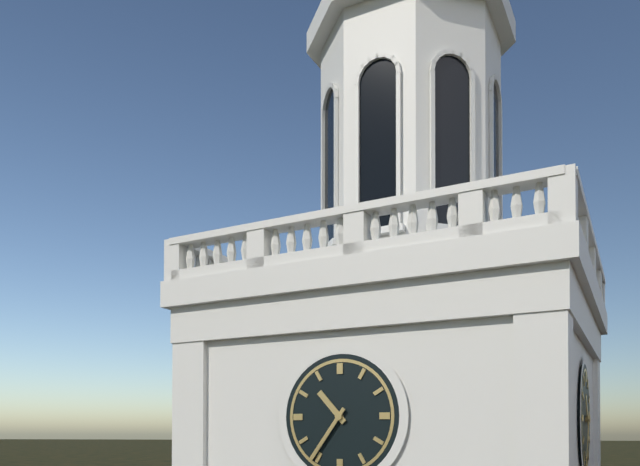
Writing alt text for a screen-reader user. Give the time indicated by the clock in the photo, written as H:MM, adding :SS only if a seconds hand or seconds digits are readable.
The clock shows 10:36
